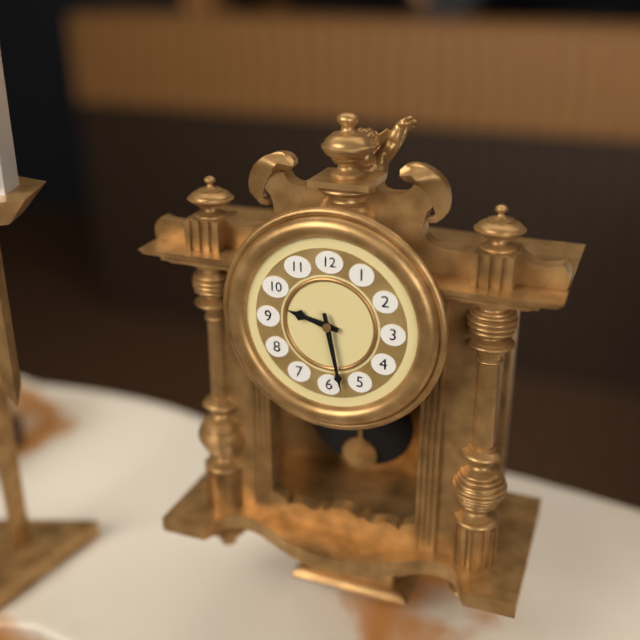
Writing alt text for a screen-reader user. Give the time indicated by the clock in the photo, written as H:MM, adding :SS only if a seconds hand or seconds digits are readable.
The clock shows 9:28
